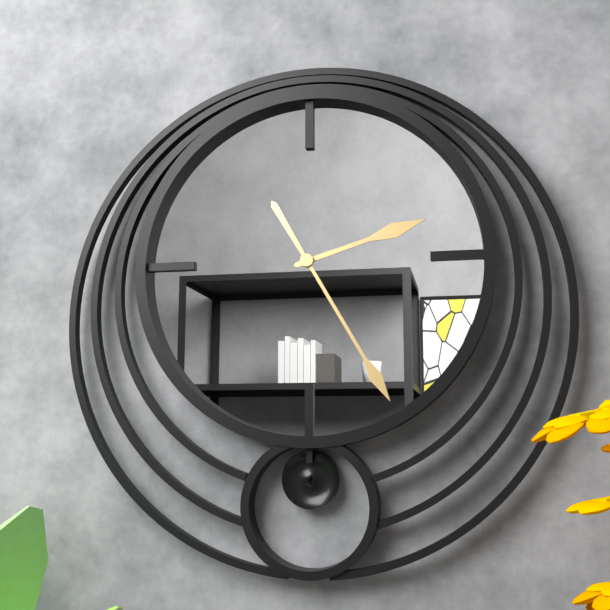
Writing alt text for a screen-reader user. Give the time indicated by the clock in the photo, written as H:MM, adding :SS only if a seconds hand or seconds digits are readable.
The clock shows 2:25
